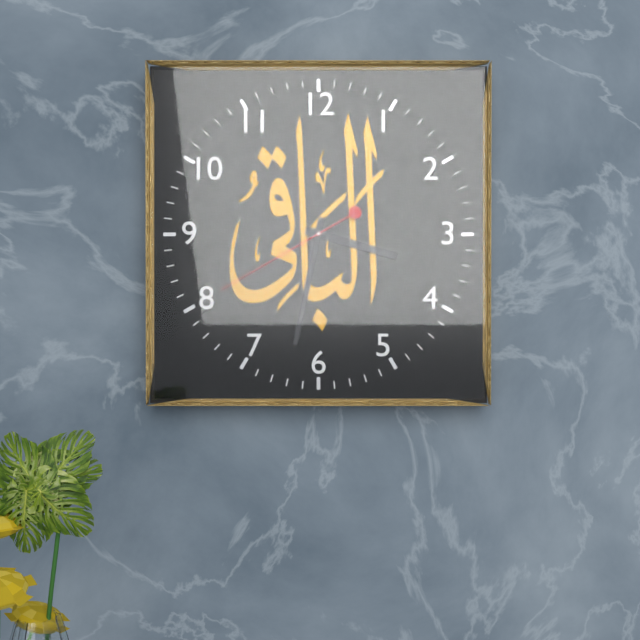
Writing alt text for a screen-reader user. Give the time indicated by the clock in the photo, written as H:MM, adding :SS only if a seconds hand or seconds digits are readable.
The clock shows 3:32:40
